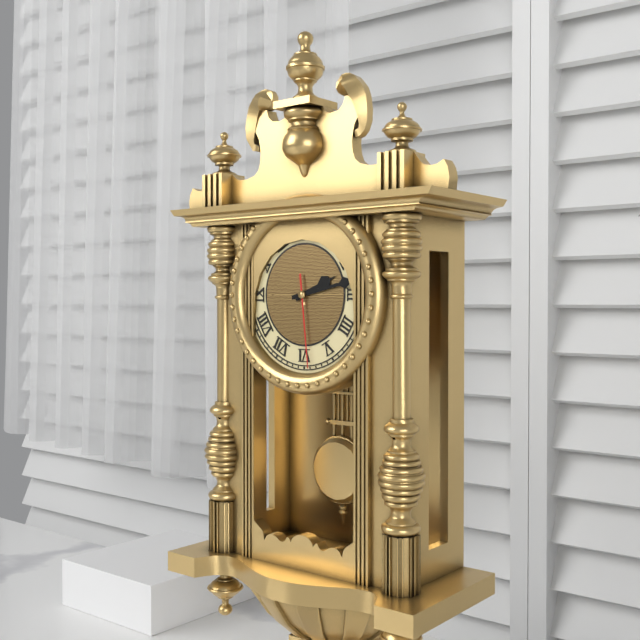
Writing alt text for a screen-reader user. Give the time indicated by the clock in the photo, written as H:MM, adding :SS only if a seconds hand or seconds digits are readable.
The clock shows 2:13:29
